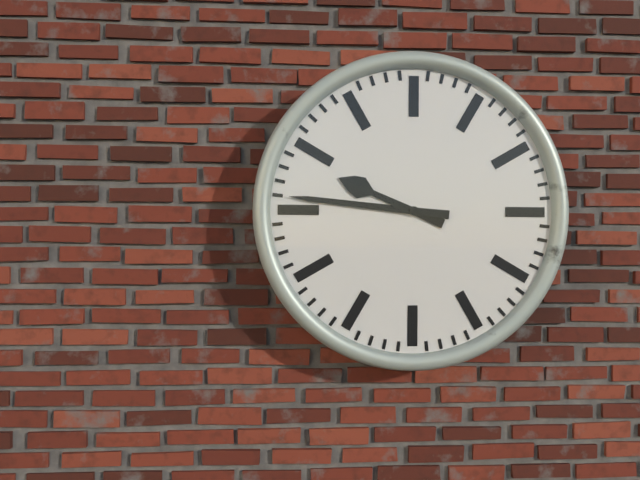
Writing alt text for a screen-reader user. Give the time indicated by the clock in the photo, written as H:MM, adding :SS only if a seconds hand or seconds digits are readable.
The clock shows 9:46
